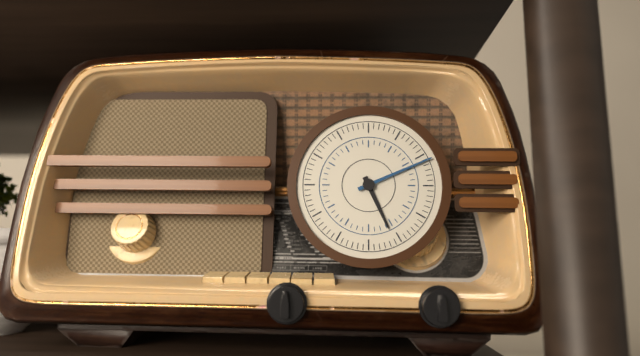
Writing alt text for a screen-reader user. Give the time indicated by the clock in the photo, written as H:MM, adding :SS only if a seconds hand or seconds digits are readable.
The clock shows 5:11
